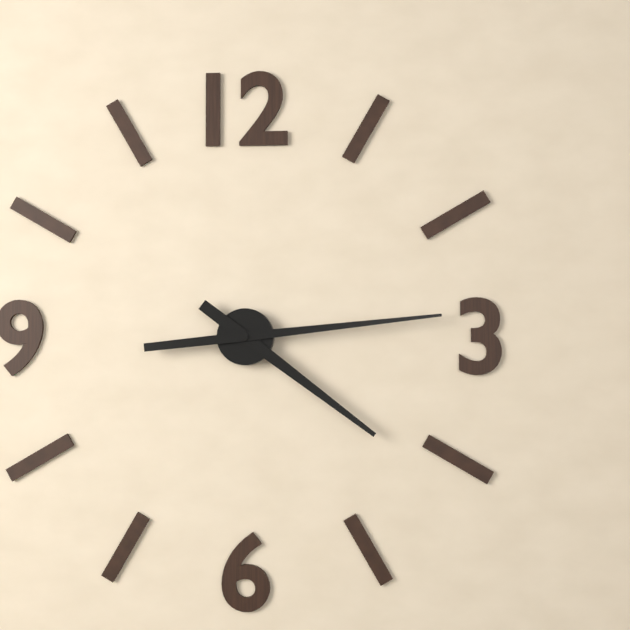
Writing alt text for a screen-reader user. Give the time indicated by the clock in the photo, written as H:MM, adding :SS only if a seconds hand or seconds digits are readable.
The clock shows 4:14
